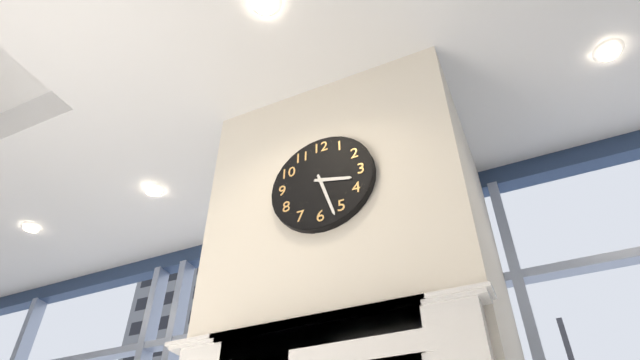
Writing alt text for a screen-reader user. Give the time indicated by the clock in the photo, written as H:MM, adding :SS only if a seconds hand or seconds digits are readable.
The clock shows 3:27
